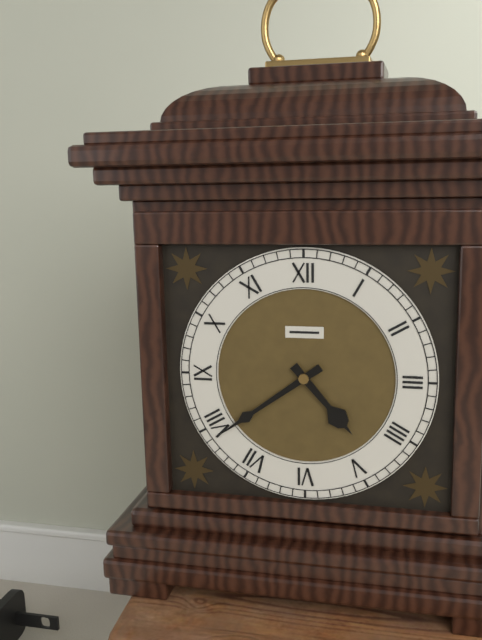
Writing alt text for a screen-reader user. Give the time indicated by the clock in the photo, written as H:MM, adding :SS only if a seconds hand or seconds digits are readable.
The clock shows 4:39
